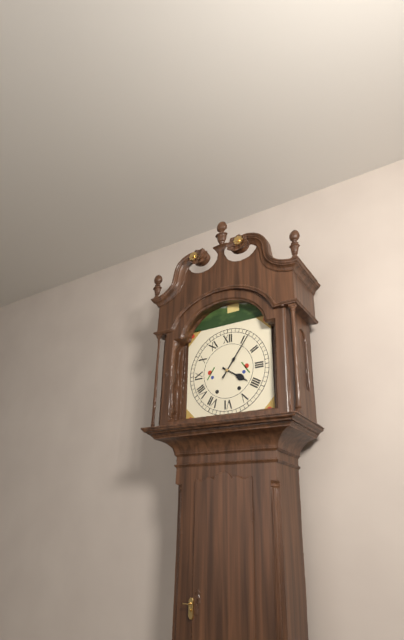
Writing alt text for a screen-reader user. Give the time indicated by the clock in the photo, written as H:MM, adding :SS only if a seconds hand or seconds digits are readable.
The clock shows 4:06
